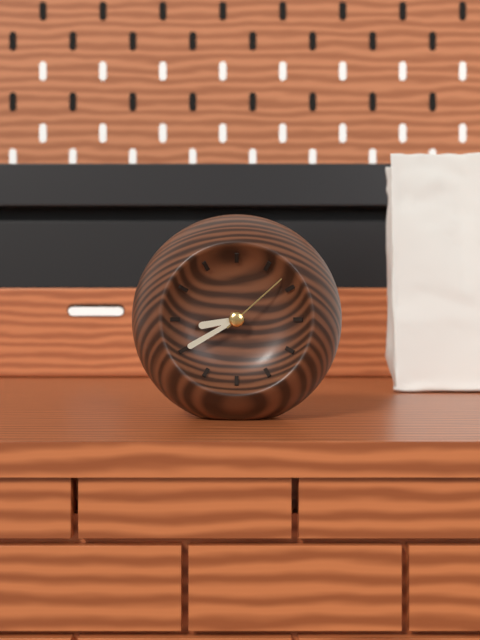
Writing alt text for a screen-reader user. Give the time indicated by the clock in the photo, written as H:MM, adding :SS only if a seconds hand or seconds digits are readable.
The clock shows 8:40:08
